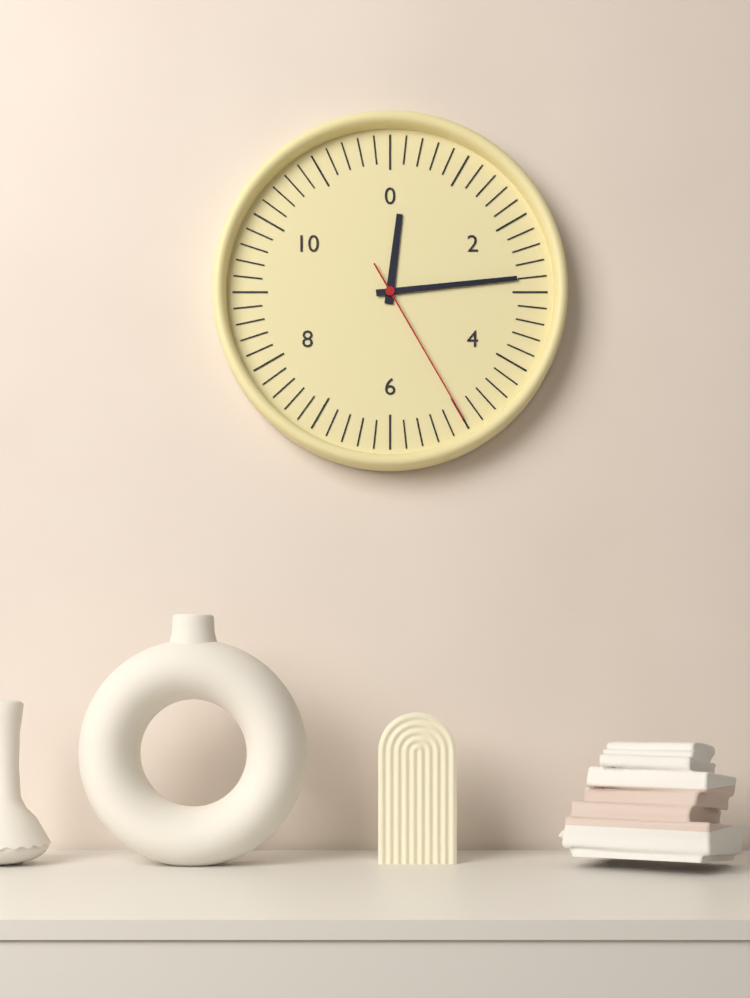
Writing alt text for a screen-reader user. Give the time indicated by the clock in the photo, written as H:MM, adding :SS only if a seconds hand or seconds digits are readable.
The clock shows 12:14:25
